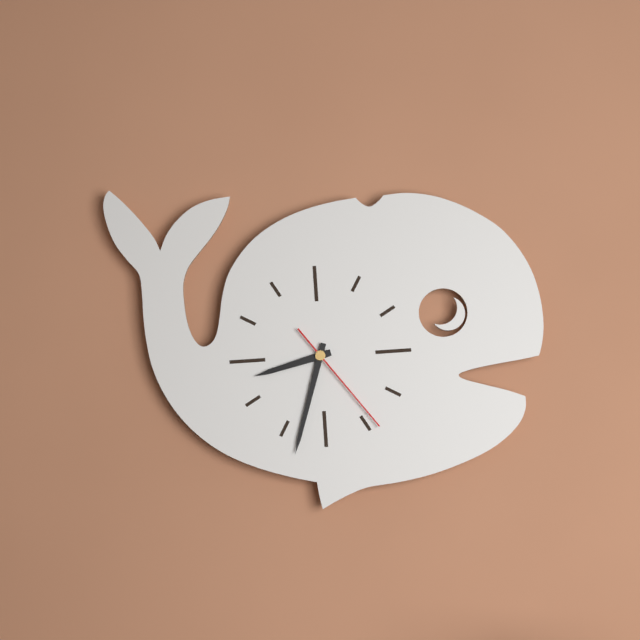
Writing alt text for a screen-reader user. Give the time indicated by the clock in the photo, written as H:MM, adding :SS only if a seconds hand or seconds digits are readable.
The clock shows 8:33:24
